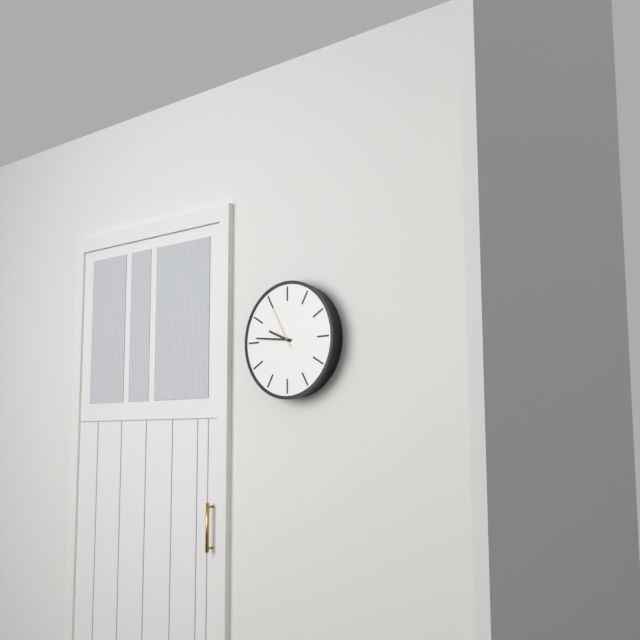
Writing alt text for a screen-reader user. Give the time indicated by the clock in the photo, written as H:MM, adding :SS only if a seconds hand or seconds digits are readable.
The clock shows 9:46:55
